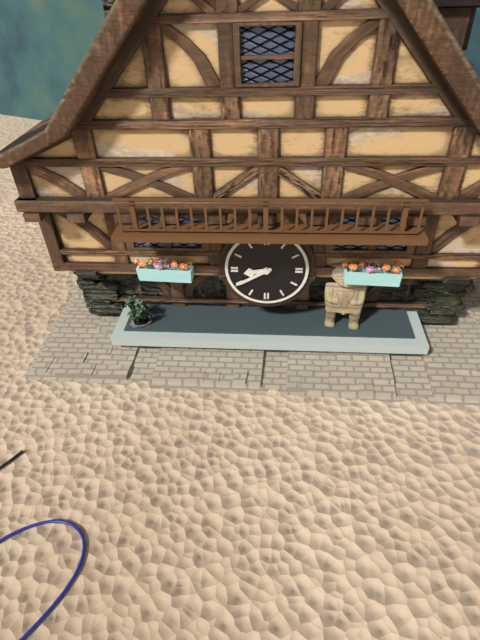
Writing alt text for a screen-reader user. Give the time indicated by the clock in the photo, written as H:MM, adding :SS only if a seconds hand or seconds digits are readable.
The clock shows 8:40
